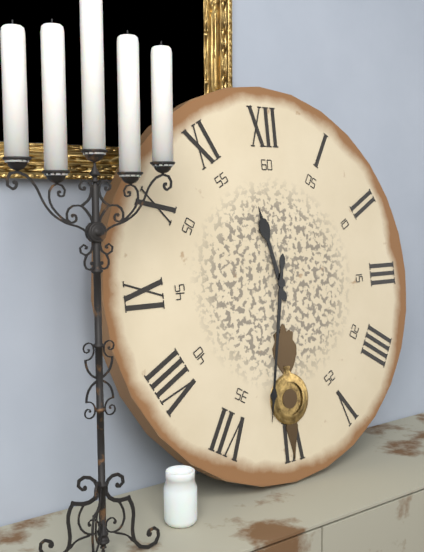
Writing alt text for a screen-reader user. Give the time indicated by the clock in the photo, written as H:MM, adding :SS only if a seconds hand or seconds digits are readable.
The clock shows 11:32
